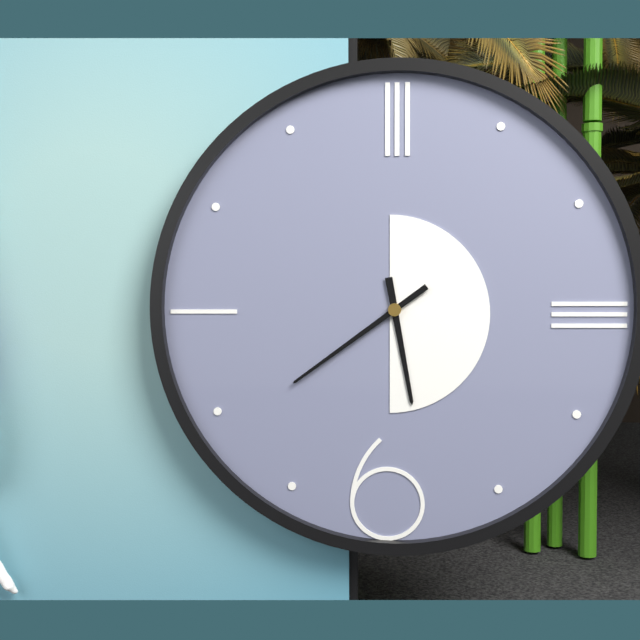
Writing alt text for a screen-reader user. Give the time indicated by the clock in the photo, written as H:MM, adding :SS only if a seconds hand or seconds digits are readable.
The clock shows 5:39
